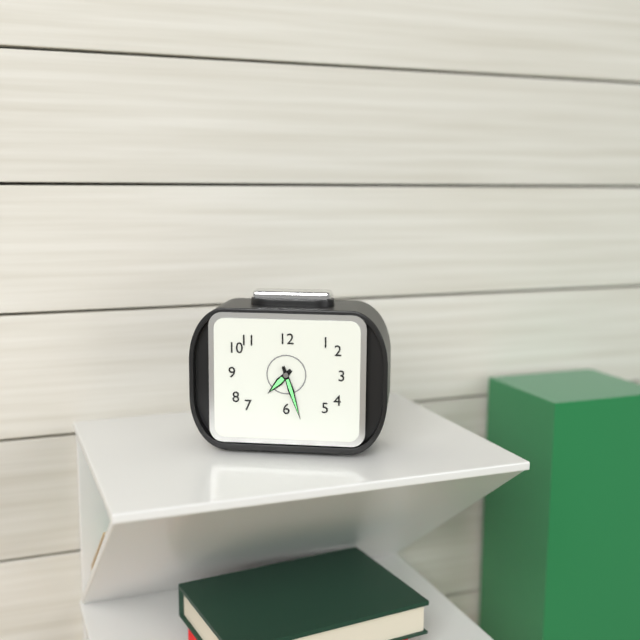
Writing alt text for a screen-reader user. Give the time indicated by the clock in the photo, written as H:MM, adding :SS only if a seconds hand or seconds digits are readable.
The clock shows 7:27
